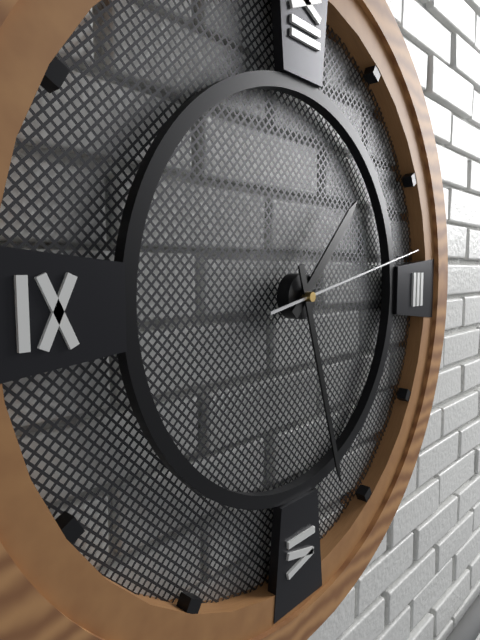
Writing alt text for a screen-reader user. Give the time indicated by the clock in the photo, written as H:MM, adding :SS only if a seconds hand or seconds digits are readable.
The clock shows 1:27:13
